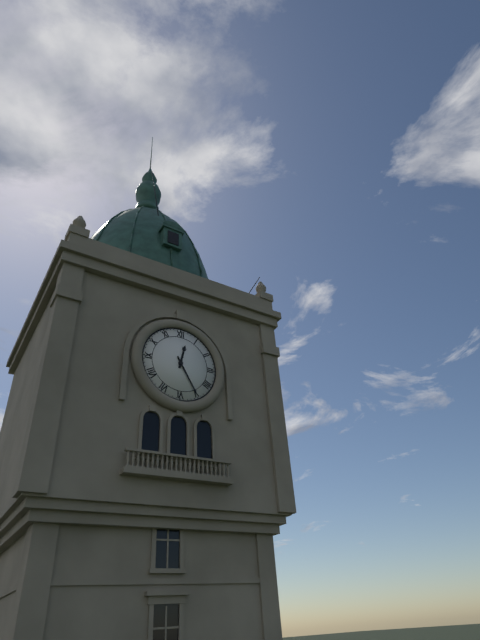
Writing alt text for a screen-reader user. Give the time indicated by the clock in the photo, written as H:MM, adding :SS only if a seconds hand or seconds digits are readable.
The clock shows 12:25
